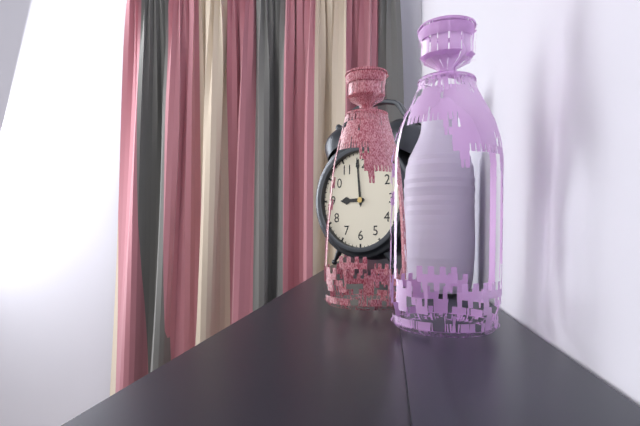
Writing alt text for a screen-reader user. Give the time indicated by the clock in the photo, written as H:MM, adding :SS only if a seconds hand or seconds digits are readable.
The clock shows 8:59
